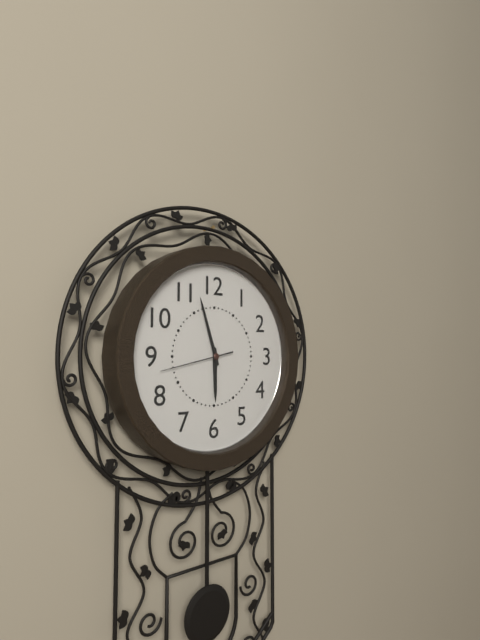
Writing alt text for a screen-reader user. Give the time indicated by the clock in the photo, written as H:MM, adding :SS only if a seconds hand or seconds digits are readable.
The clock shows 5:57:43
